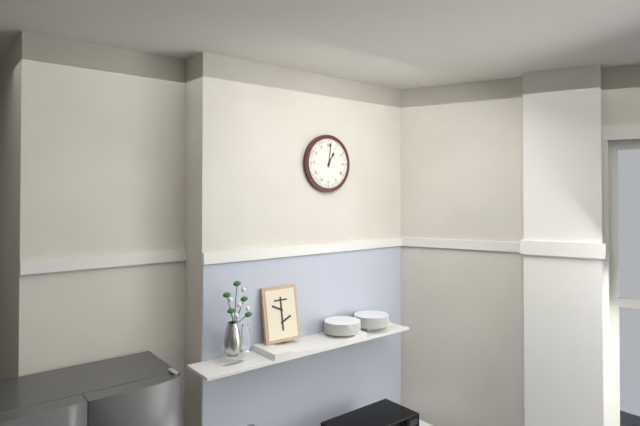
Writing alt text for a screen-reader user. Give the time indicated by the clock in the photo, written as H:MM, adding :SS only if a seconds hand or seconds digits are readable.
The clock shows 1:01
